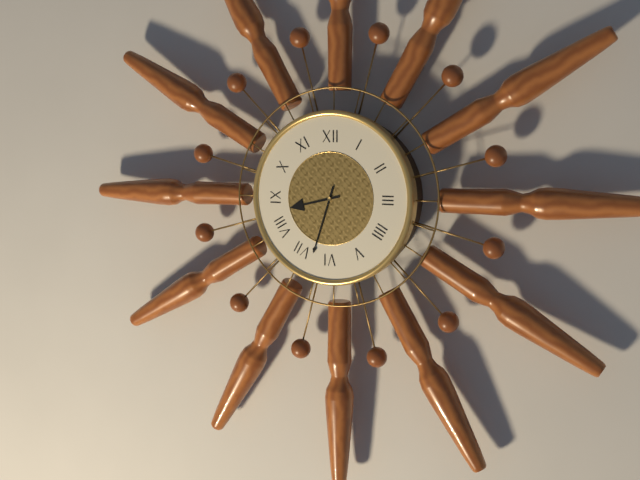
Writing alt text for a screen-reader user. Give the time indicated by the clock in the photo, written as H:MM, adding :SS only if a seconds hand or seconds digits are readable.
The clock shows 8:33
